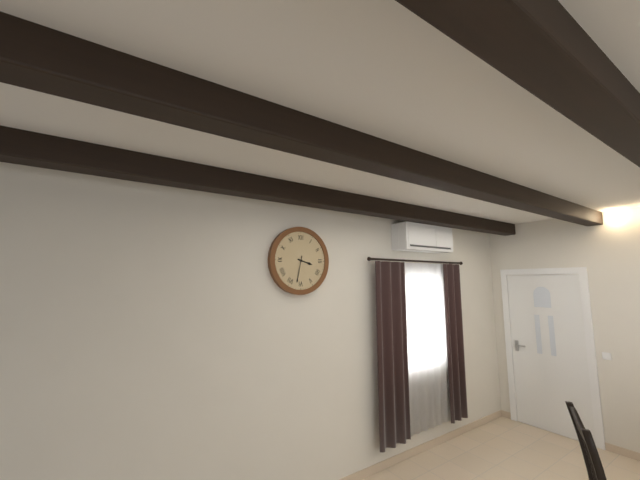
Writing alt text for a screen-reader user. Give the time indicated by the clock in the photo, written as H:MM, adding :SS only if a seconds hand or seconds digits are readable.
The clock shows 3:32
